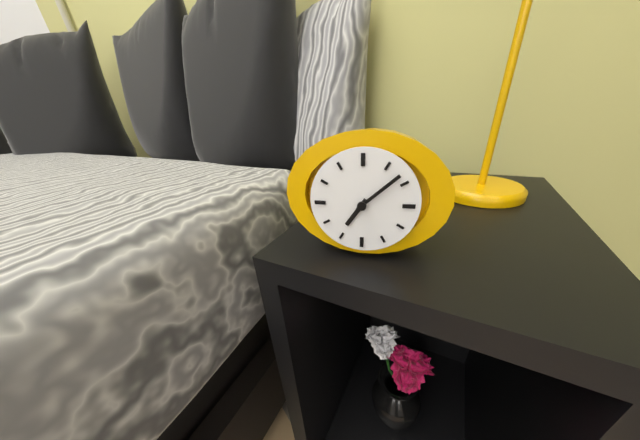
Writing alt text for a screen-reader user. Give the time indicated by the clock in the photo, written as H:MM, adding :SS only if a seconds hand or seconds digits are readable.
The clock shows 7:08
